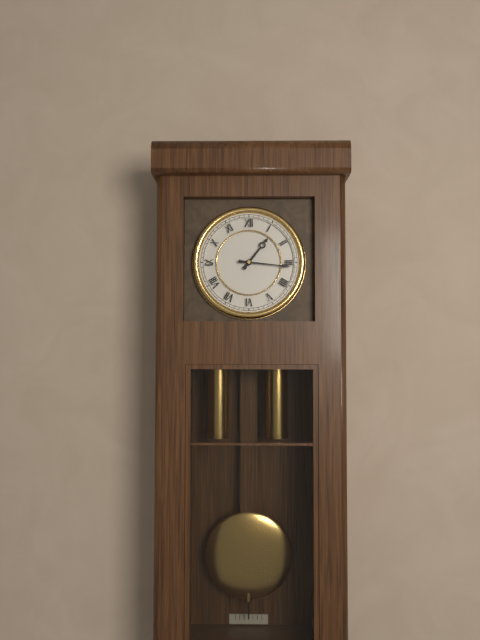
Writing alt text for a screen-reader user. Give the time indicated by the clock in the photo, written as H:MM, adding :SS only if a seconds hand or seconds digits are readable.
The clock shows 1:16
